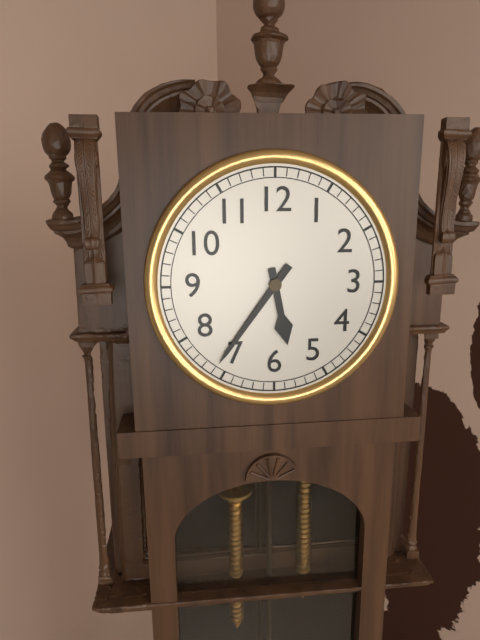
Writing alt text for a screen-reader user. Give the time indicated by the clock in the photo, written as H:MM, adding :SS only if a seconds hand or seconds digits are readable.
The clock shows 5:36
